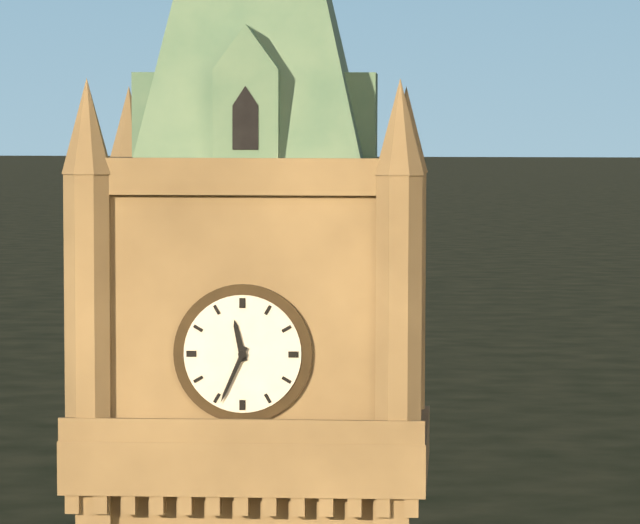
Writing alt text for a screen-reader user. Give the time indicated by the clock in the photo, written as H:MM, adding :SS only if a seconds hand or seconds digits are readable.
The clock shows 11:34
